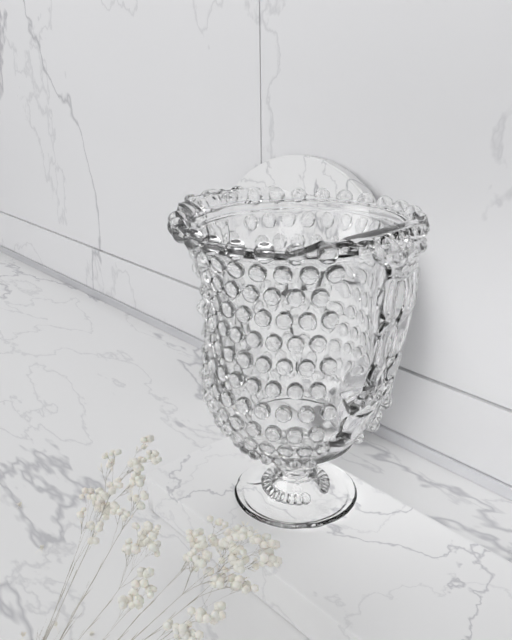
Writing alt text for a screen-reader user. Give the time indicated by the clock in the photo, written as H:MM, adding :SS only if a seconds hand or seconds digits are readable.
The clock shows 5:12:15
